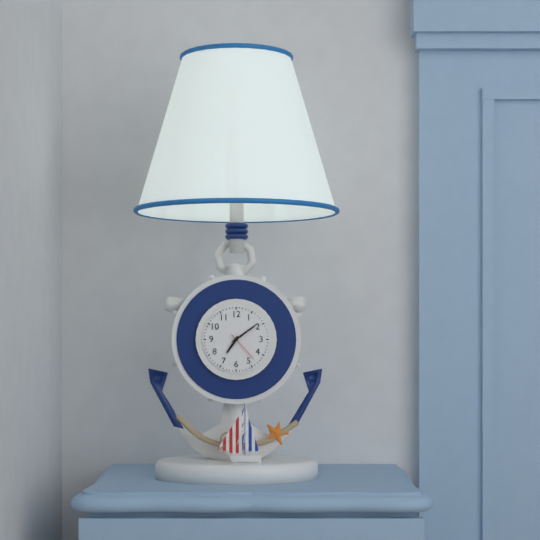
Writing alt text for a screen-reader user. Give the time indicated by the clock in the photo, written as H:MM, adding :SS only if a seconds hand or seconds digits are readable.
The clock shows 7:09
